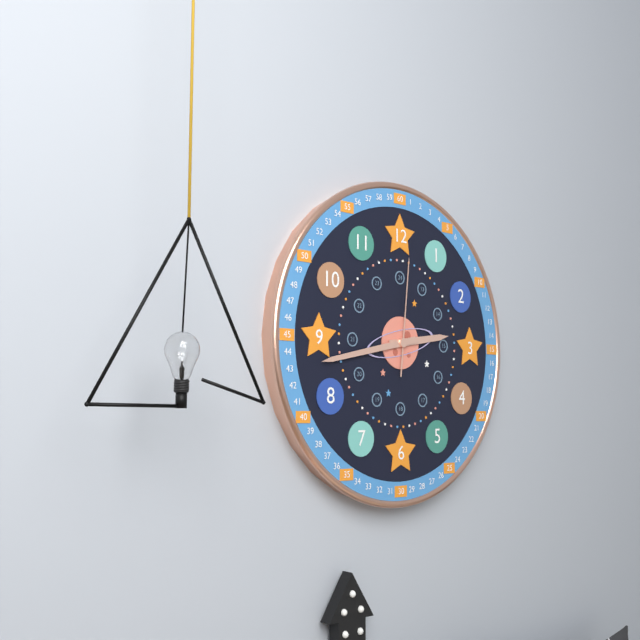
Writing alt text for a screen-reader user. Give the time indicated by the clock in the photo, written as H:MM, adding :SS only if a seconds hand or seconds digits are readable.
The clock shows 2:43:01
